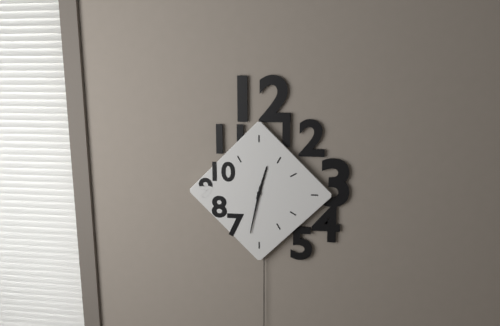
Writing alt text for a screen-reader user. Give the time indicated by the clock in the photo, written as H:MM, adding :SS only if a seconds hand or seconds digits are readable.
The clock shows 12:32
